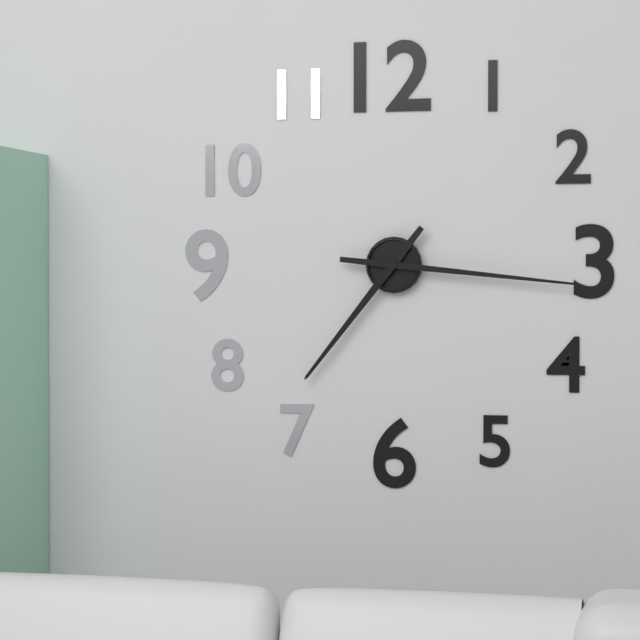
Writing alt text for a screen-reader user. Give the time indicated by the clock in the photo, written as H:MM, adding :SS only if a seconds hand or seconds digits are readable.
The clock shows 7:16
